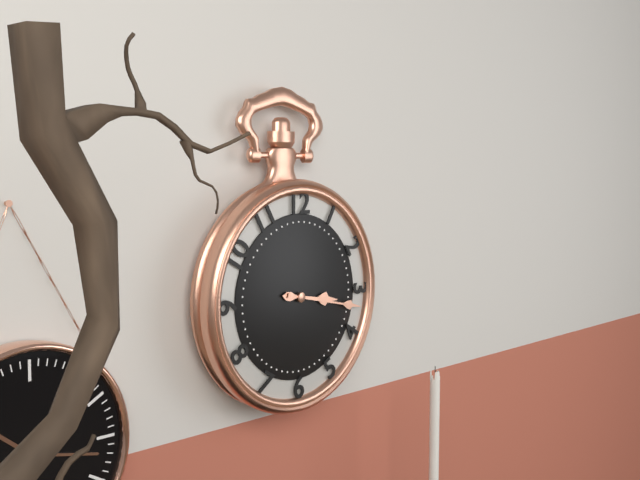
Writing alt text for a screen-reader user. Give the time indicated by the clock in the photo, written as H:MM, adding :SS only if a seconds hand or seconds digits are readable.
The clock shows 3:17
